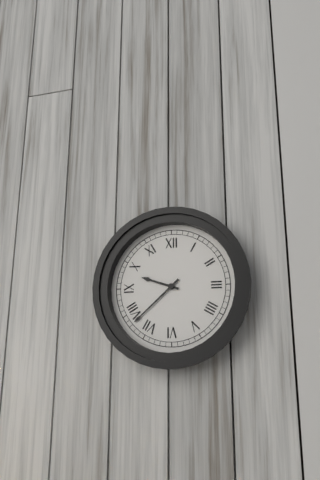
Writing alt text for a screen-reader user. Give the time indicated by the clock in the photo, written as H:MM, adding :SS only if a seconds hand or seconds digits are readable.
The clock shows 9:38
